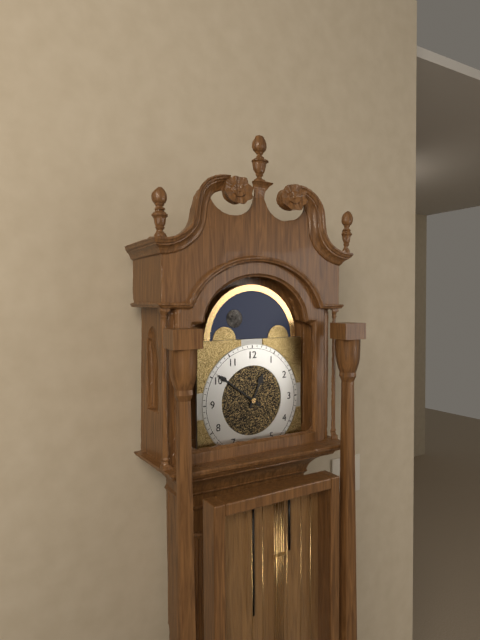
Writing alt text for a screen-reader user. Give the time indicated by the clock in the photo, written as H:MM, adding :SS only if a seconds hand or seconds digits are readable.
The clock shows 12:51
